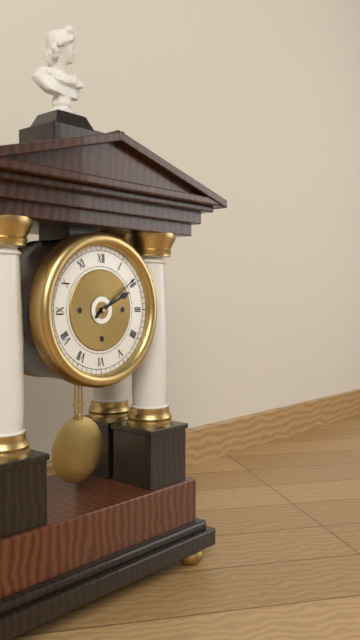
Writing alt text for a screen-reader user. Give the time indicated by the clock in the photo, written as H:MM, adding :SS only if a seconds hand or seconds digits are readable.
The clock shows 2:09
